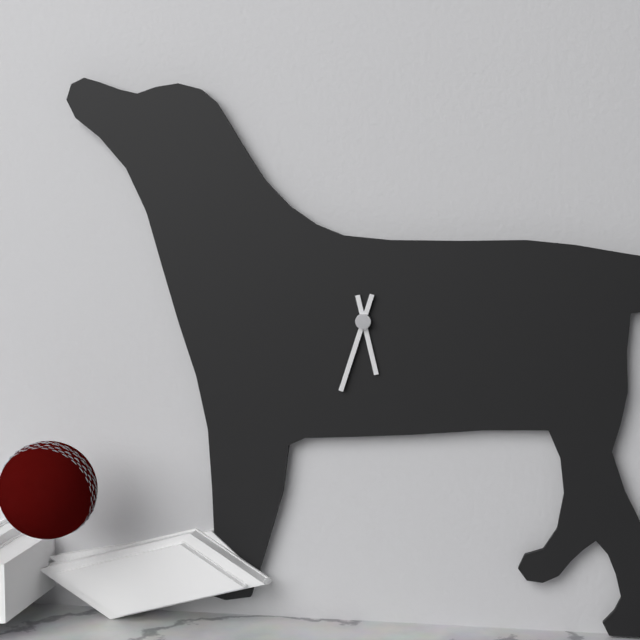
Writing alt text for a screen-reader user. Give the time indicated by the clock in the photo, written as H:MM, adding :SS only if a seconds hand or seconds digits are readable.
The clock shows 5:33
